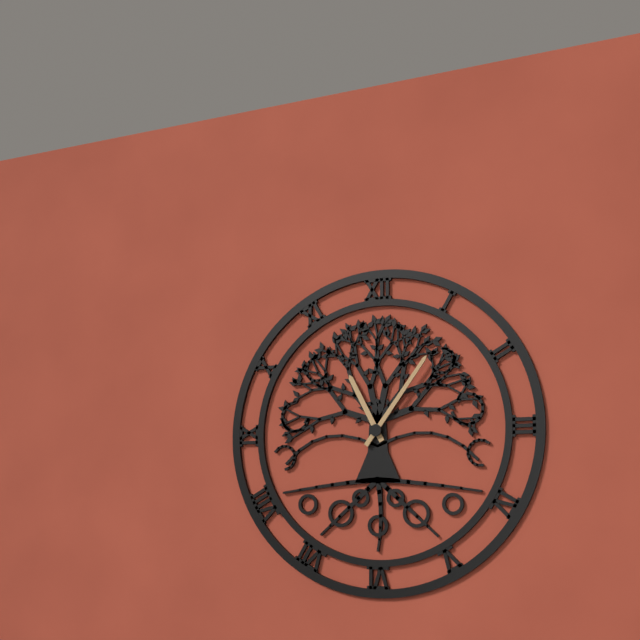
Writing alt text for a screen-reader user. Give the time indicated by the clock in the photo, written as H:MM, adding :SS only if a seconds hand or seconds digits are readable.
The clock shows 11:06
